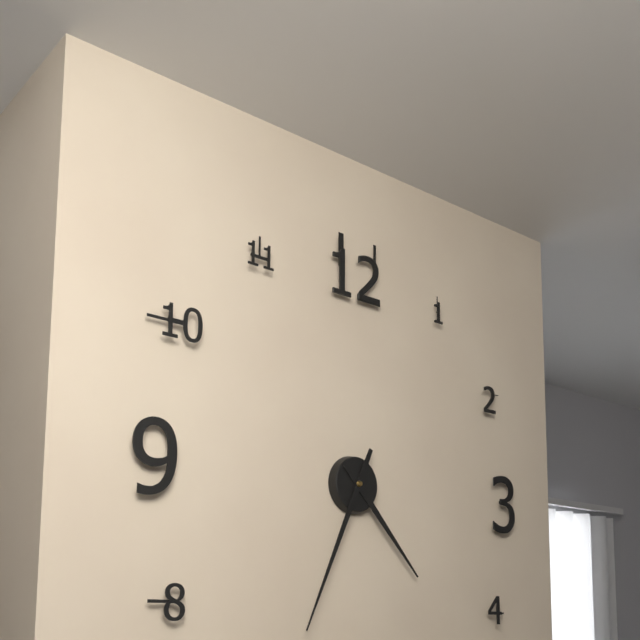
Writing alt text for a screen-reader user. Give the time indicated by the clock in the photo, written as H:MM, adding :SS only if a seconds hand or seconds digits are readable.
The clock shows 4:34
